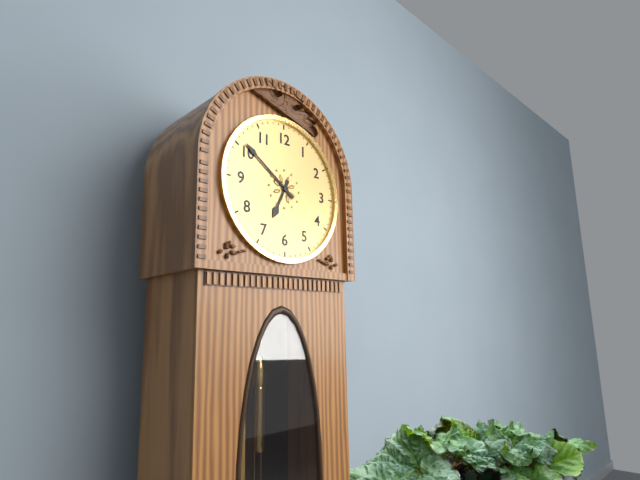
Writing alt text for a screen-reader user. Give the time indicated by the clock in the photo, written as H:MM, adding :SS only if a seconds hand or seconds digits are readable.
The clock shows 6:51
